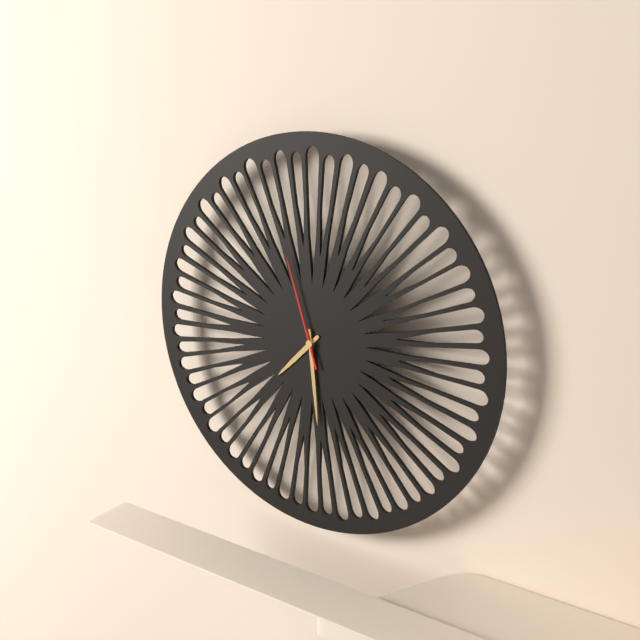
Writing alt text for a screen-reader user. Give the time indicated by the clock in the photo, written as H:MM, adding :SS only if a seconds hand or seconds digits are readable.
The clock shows 7:29:57
